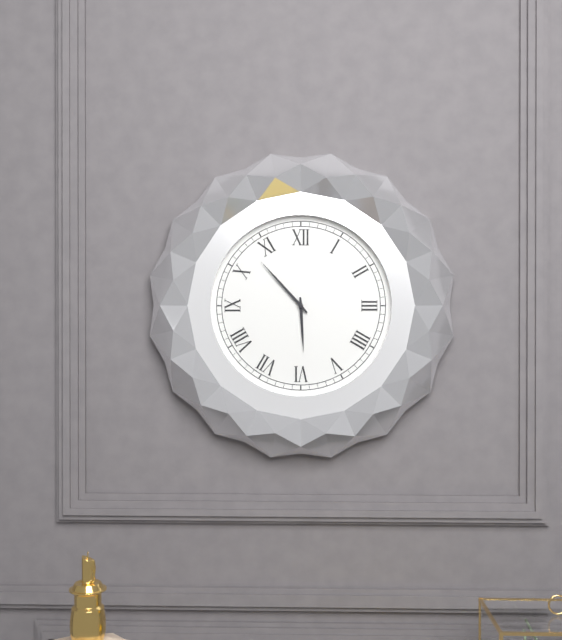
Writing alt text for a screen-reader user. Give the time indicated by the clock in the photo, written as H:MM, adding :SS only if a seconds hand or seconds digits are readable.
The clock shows 5:53
